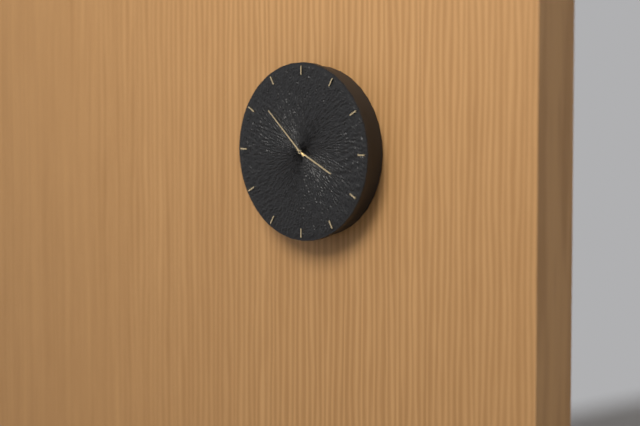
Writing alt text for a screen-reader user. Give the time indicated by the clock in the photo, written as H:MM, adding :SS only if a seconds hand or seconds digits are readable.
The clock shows 3:52
